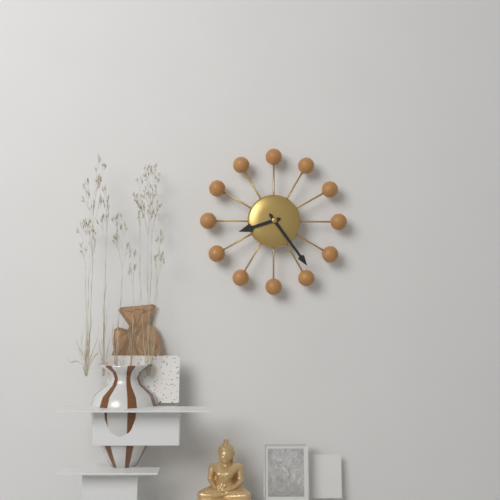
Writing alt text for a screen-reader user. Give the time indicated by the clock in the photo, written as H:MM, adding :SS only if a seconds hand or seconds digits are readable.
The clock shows 8:24
